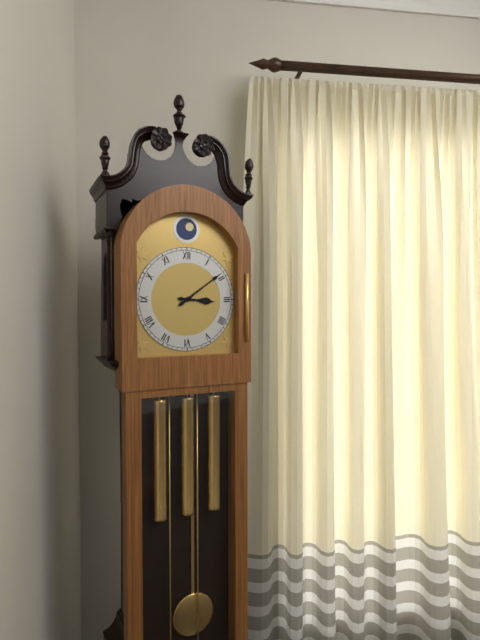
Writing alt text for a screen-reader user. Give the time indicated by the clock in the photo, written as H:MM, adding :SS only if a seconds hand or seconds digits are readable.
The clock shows 3:09
